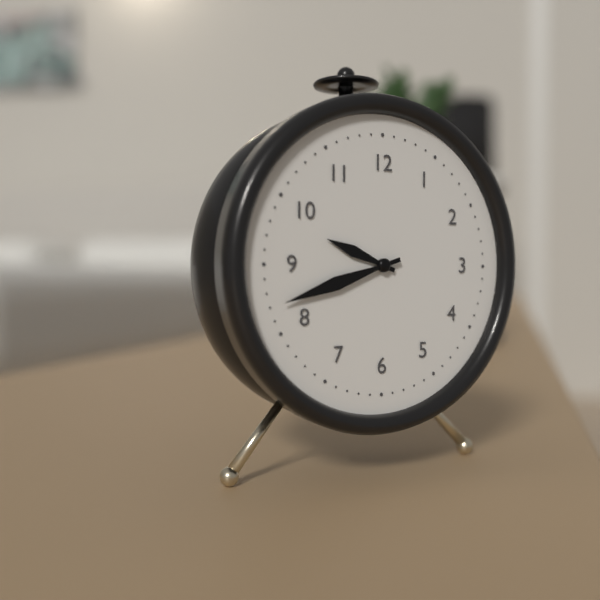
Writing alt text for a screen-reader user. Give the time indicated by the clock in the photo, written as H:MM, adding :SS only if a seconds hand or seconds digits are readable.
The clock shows 9:42
